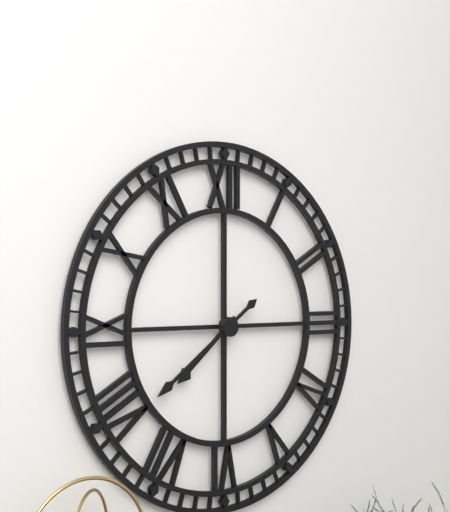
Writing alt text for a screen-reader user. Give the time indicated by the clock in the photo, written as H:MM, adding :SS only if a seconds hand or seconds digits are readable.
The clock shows 7:39
